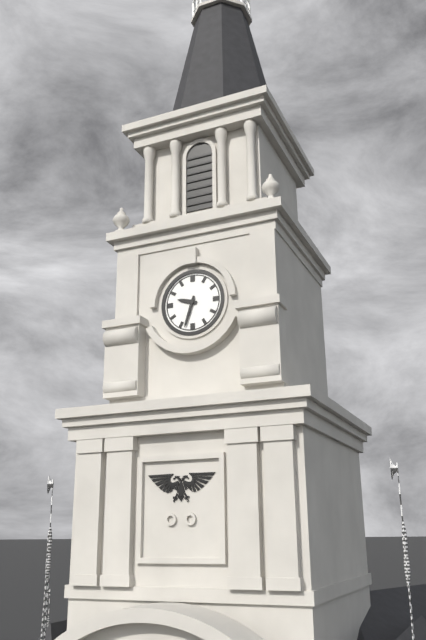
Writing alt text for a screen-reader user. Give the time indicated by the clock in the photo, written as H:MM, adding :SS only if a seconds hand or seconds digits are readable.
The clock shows 9:33
